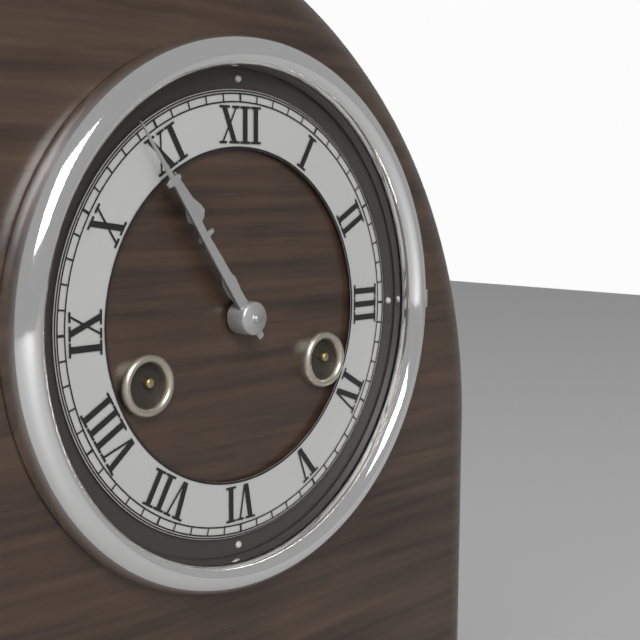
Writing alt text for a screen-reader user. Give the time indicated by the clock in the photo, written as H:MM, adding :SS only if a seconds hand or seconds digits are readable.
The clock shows 10:54
